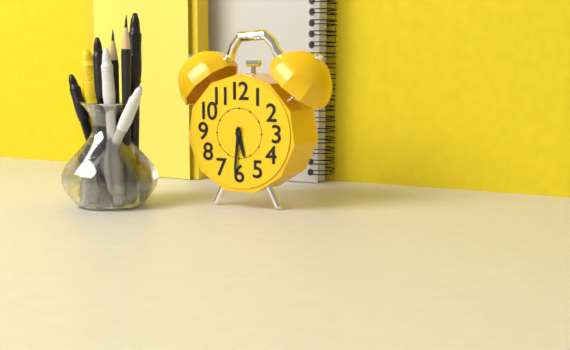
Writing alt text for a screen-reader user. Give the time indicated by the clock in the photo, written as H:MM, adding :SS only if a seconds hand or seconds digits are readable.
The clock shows 5:31
